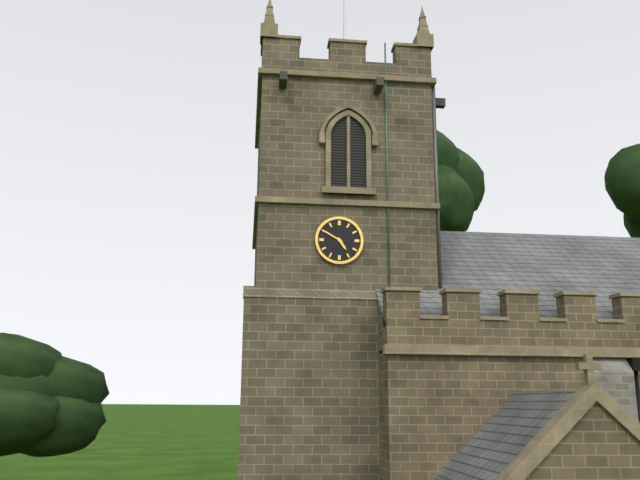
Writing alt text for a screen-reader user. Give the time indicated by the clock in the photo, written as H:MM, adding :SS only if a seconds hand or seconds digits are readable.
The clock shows 4:50
